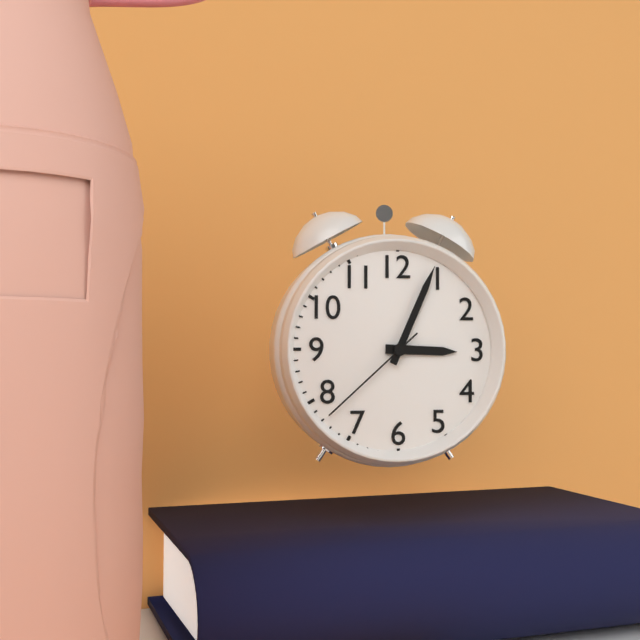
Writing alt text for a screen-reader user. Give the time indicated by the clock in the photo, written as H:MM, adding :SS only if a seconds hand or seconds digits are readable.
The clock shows 3:04:38
